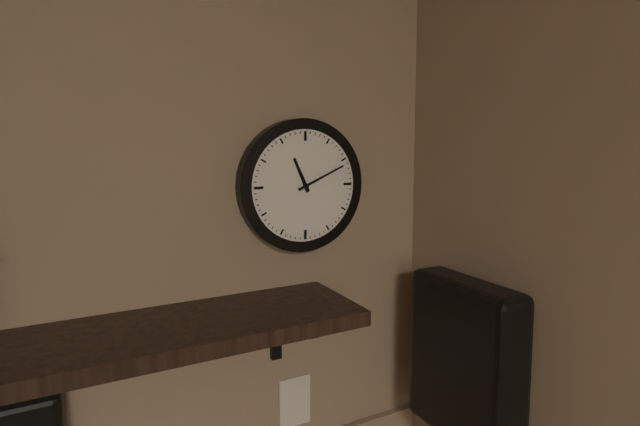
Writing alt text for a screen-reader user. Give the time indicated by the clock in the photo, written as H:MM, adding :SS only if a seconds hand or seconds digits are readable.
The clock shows 11:11
